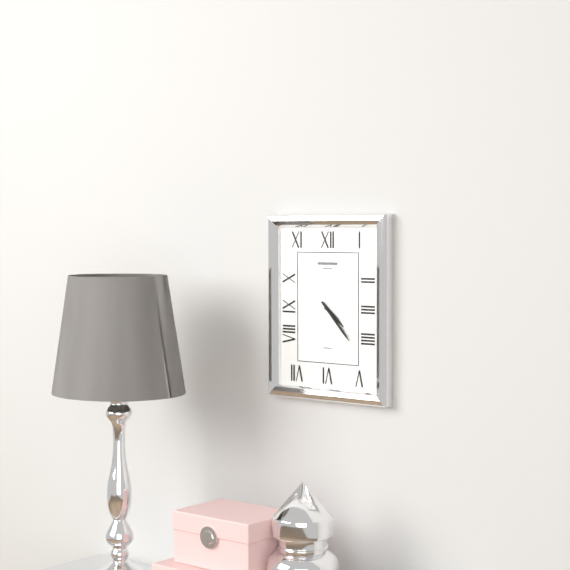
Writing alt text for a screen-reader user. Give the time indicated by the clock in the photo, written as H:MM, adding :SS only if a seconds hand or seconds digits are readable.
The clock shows 4:23
